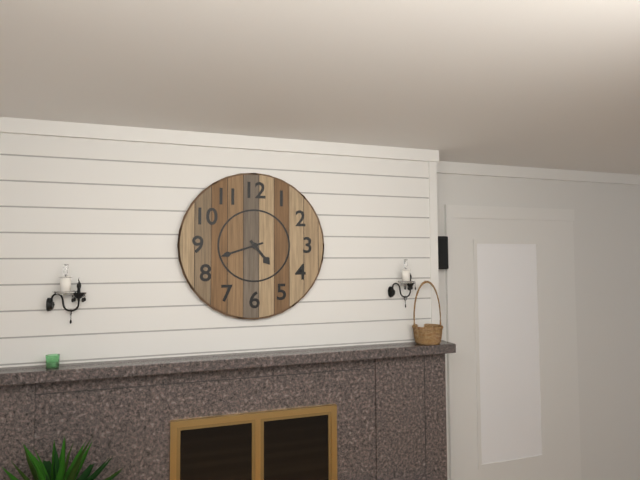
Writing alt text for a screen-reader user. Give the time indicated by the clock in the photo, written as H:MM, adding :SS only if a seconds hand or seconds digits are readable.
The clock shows 4:42
